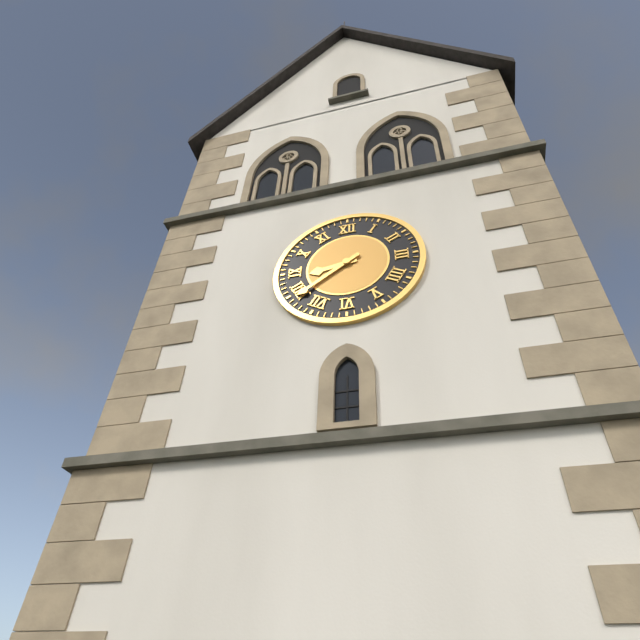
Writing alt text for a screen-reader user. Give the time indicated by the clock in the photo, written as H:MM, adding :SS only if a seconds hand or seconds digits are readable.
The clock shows 8:39
